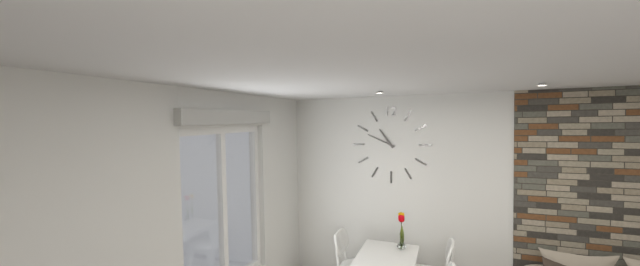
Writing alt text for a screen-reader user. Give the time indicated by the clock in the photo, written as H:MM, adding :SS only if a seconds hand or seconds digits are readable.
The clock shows 10:49
